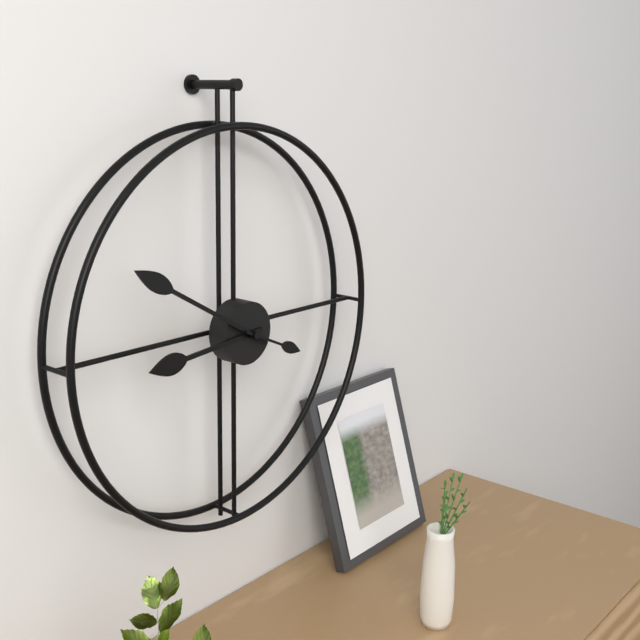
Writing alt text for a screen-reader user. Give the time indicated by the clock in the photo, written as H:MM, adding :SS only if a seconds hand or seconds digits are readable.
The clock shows 8:50:19
